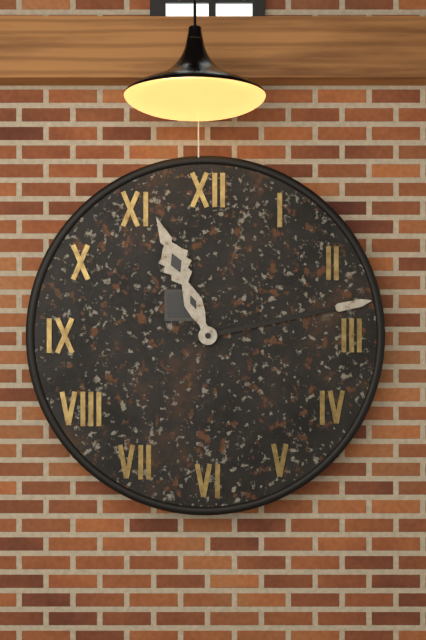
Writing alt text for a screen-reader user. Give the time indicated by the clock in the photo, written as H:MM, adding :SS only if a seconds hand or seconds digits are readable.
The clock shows 11:13
